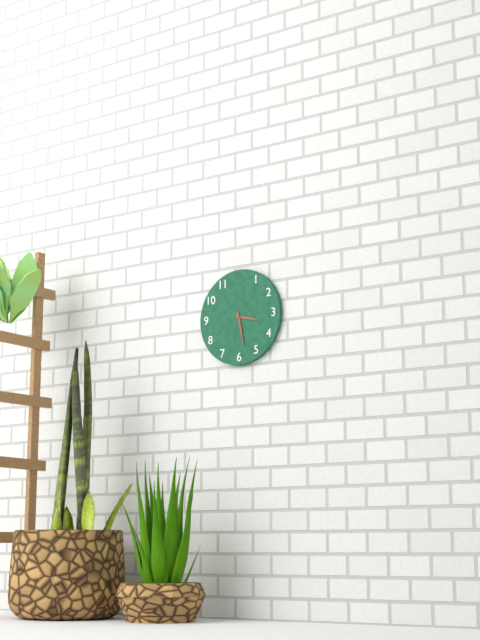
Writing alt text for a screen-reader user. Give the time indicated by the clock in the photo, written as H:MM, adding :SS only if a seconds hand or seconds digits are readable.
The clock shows 3:28
